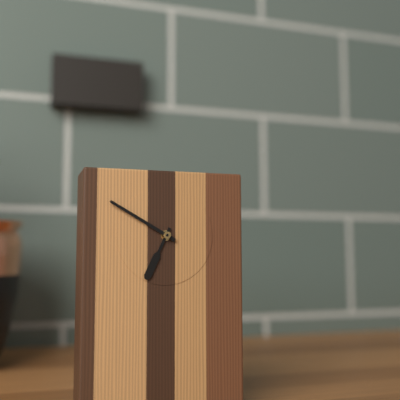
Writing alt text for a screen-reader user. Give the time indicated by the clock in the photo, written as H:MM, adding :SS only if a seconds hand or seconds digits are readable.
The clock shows 6:50
